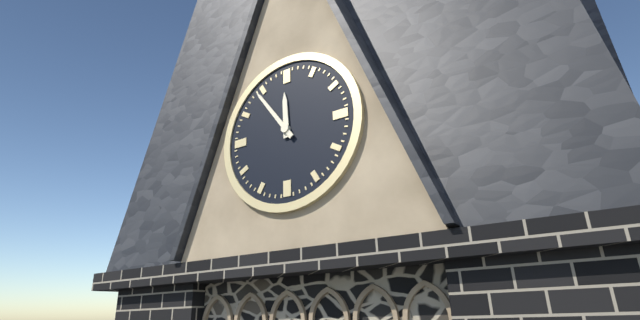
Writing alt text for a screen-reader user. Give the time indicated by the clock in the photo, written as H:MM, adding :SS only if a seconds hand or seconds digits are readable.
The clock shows 11:54
